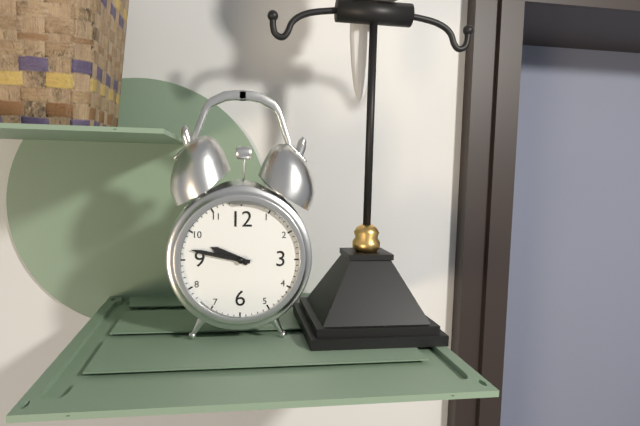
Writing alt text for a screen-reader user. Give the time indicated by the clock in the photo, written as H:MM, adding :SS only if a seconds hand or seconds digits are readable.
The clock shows 9:47
